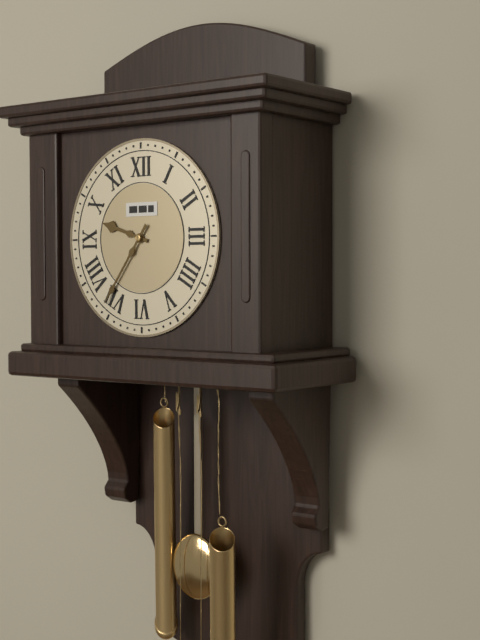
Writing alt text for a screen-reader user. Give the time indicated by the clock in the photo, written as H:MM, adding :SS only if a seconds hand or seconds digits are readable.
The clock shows 9:36
